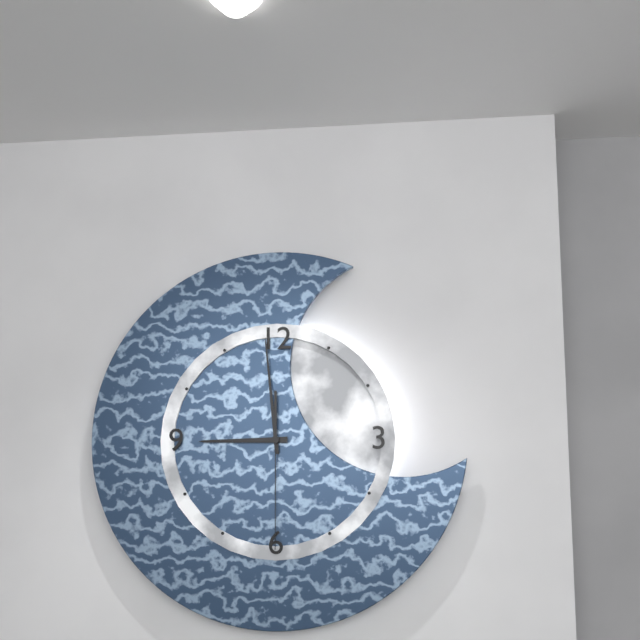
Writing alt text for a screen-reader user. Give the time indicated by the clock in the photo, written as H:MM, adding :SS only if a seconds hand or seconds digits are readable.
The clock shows 8:59:30
